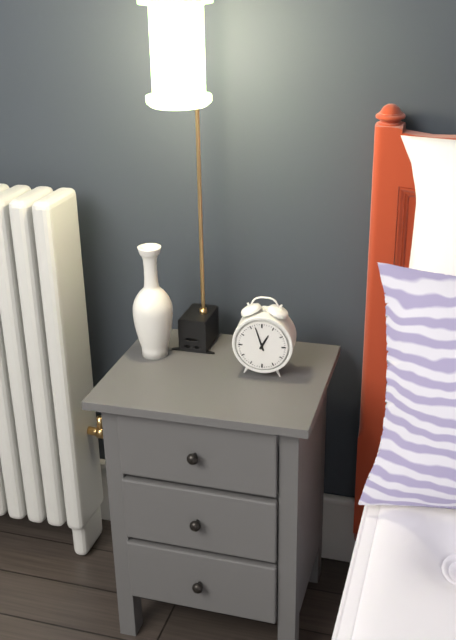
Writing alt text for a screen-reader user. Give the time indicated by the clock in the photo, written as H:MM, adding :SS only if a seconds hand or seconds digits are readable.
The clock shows 12:57
